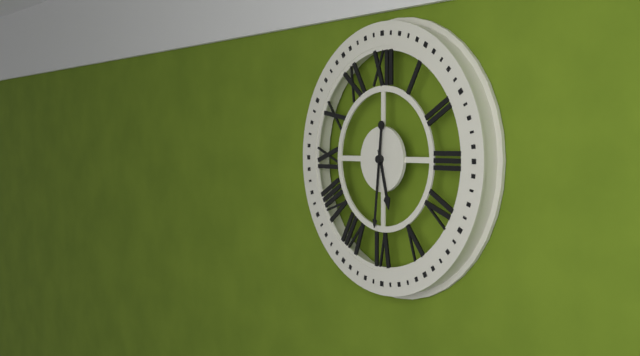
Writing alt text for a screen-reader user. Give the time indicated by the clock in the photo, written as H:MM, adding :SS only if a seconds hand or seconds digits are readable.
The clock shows 5:31
